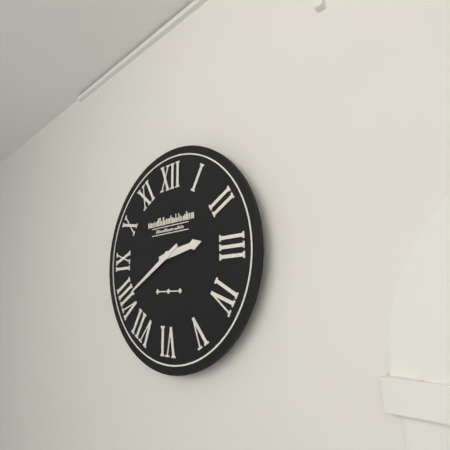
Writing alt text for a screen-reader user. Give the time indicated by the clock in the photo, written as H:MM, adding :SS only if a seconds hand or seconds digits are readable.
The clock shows 2:40
